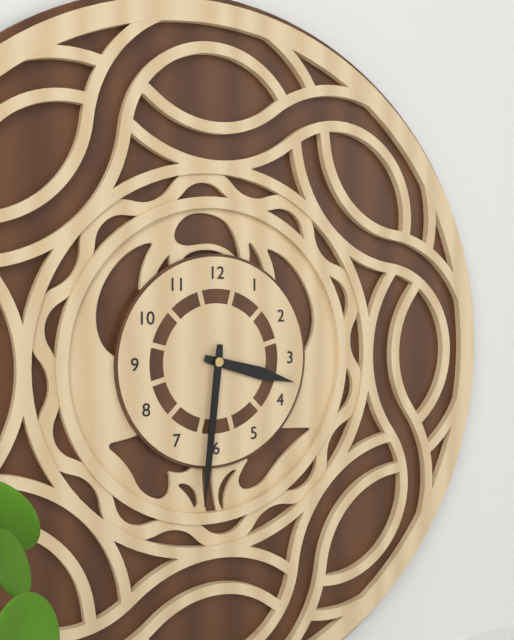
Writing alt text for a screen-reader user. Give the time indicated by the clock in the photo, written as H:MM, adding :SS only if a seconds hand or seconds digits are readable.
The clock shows 3:31
